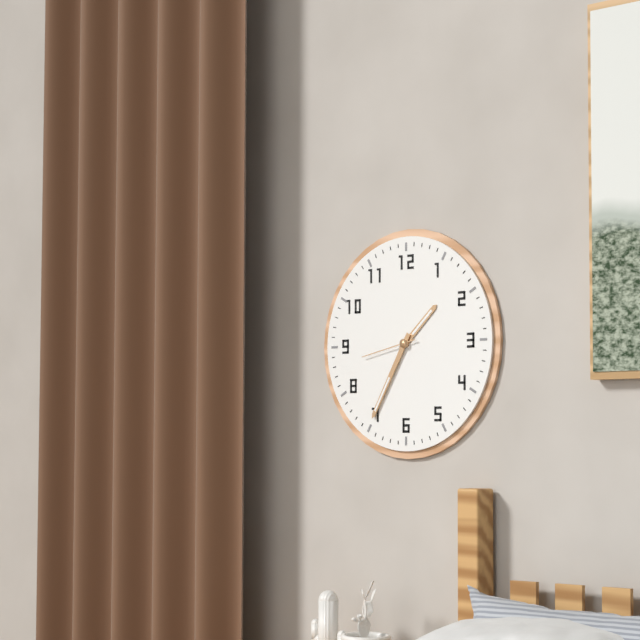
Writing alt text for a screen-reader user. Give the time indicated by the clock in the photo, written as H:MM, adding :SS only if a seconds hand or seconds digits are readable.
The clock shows 1:35:43
